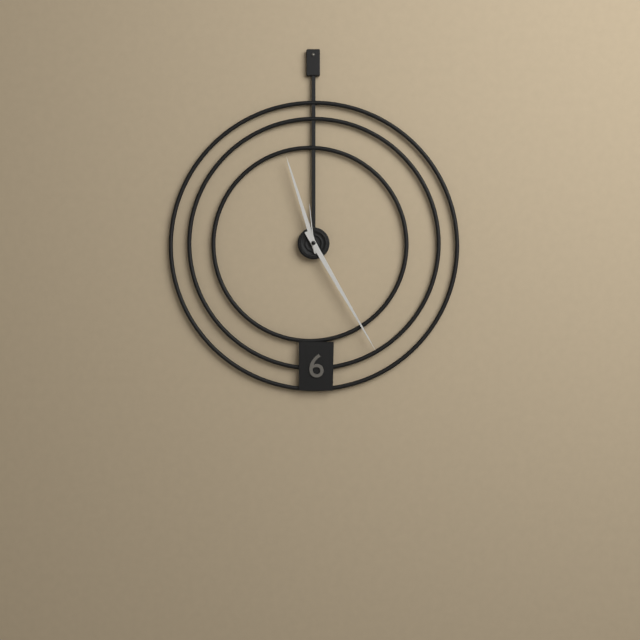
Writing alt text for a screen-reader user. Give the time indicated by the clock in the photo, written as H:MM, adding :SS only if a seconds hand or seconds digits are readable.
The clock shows 11:25:59
